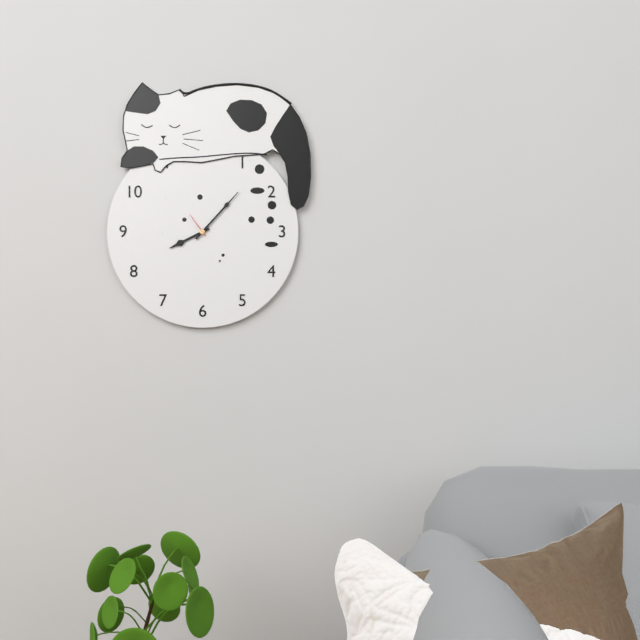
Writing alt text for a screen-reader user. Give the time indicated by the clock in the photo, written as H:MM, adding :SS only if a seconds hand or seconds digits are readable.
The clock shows 8:07
